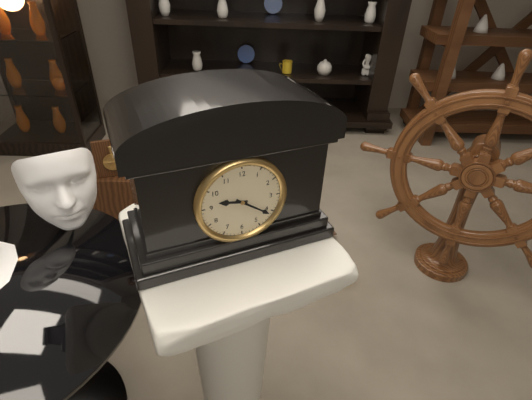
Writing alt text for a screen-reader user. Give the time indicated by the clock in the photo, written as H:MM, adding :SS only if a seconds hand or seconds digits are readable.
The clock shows 9:21
